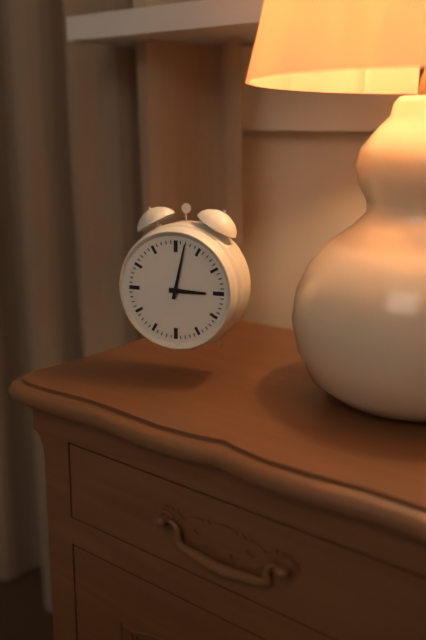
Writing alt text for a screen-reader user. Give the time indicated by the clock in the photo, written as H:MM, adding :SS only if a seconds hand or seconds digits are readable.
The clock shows 3:02
